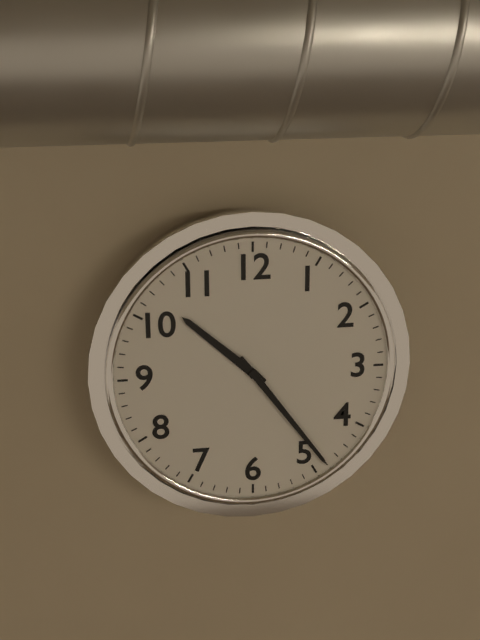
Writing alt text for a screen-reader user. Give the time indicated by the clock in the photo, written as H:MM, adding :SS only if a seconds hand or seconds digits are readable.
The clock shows 10:24
